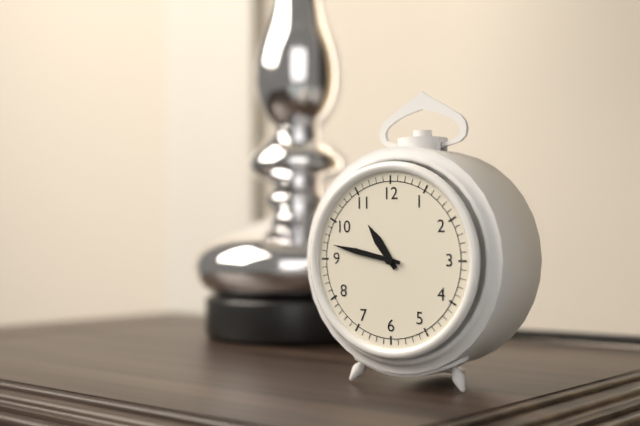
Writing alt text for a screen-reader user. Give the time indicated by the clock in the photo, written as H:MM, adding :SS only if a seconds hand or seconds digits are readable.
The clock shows 10:47
